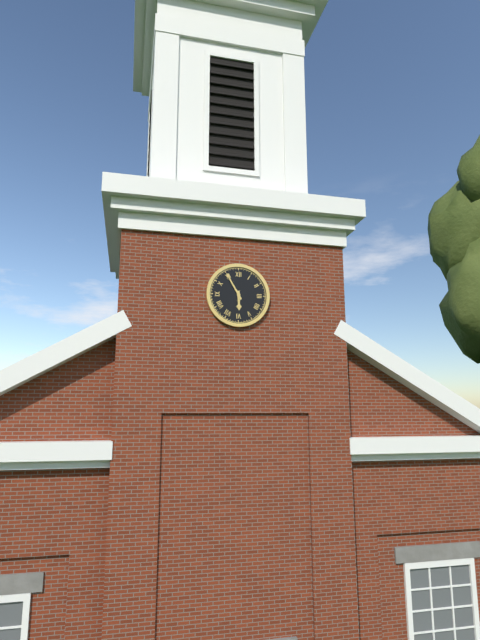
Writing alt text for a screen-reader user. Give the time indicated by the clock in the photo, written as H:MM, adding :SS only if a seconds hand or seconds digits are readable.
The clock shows 5:55
